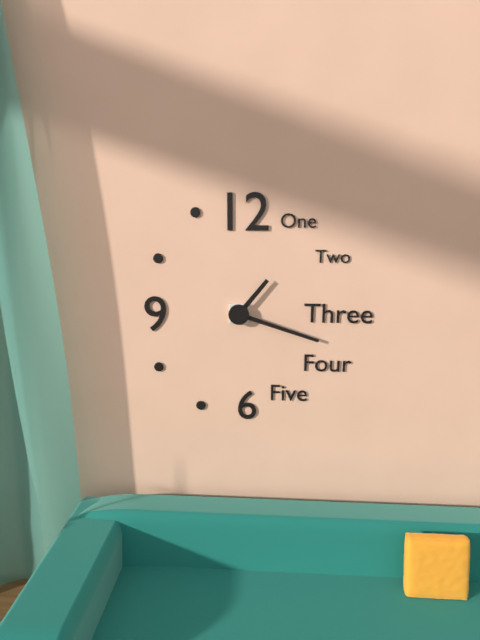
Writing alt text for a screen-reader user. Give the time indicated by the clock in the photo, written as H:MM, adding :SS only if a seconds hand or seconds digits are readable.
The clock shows 1:18
